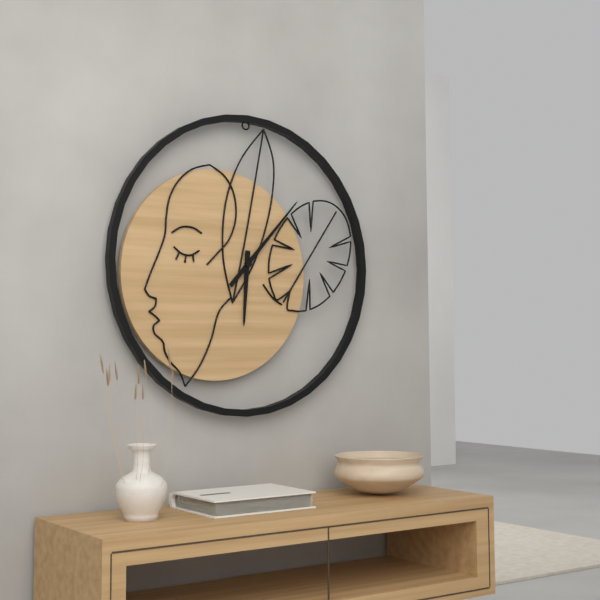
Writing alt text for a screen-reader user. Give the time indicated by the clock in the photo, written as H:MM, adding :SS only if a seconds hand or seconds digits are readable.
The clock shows 6:07
